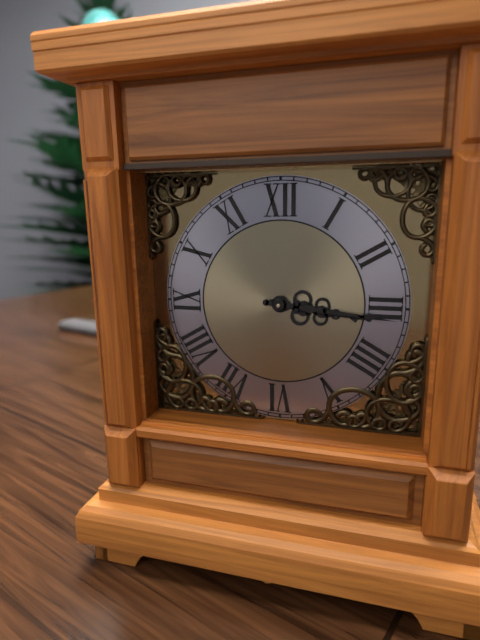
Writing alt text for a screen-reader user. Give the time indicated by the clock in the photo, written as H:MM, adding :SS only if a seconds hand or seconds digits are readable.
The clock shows 3:16
